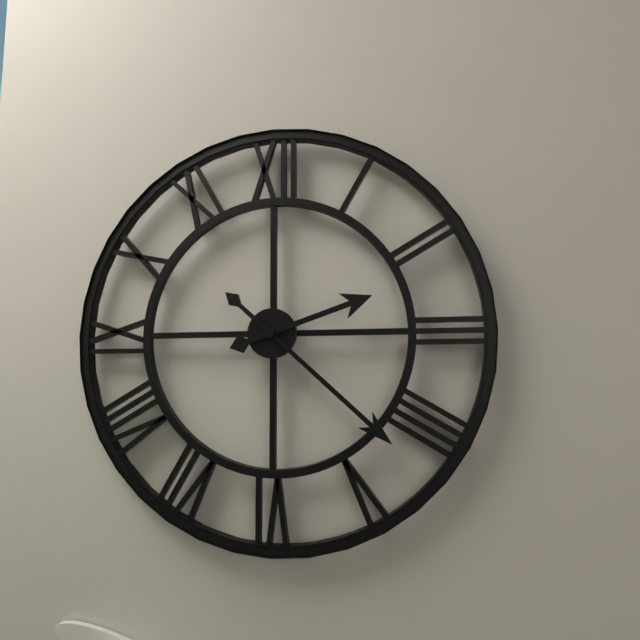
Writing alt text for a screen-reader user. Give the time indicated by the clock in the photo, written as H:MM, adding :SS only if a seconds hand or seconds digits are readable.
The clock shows 2:22
